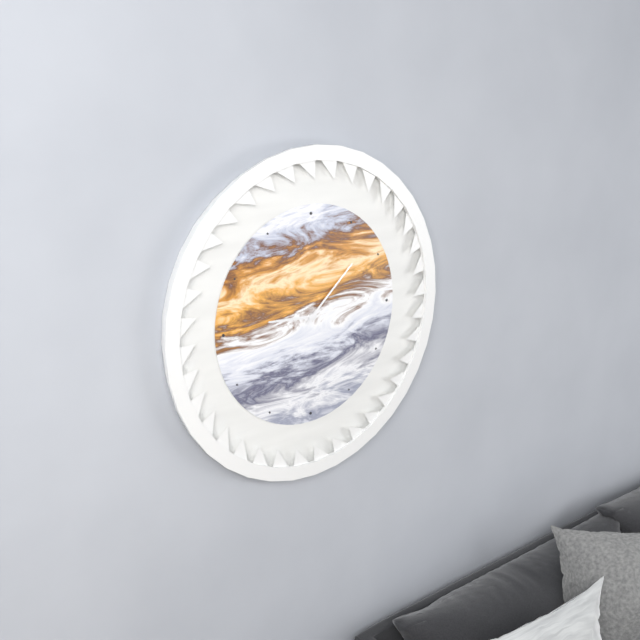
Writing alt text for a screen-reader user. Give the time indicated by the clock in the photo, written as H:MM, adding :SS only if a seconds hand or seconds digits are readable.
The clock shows 9:08
